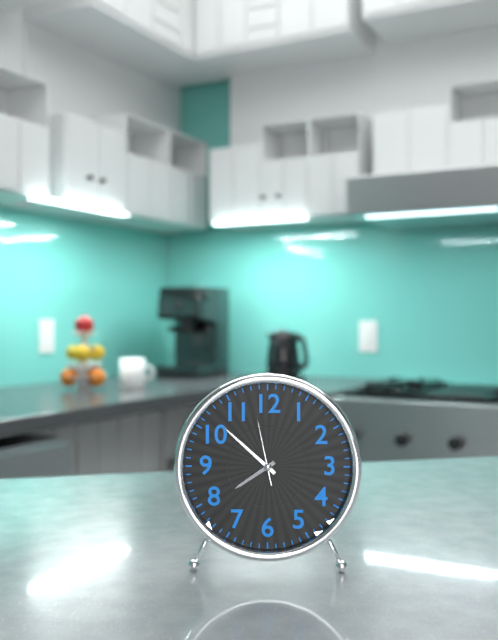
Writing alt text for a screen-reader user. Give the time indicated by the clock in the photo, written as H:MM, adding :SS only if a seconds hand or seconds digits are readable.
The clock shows 7:52:58
